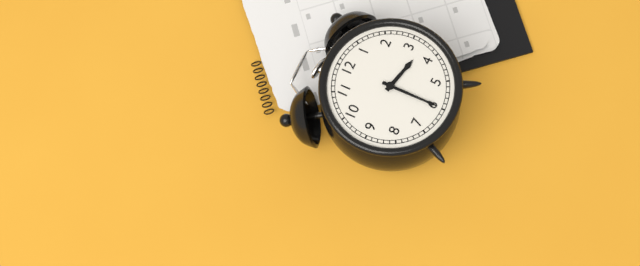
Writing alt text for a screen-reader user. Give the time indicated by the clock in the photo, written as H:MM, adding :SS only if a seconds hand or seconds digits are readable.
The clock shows 3:30
